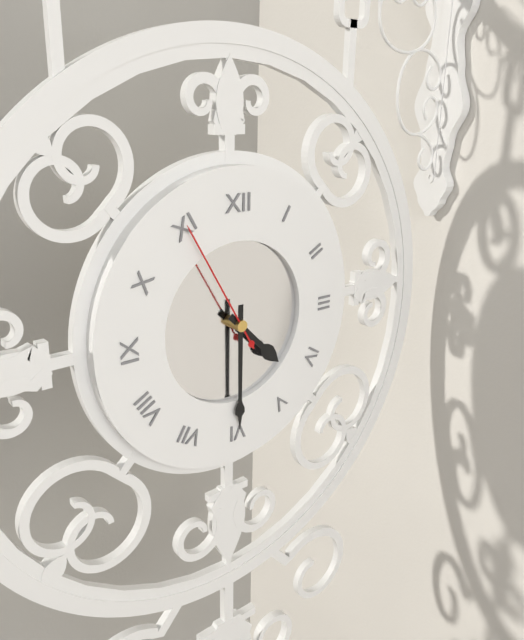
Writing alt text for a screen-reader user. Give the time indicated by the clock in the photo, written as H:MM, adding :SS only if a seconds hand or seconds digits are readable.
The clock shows 4:30:55
